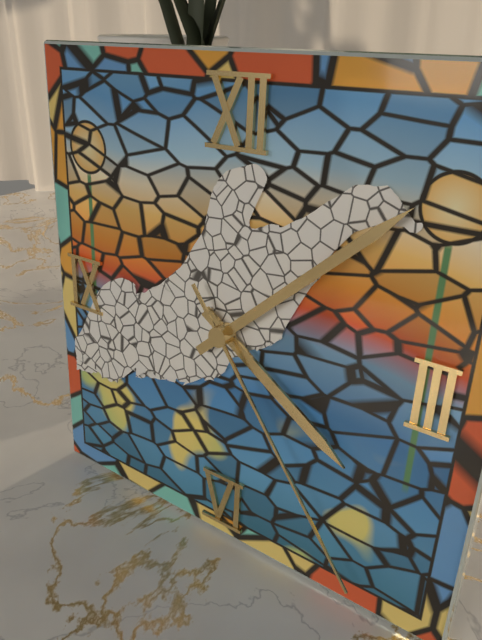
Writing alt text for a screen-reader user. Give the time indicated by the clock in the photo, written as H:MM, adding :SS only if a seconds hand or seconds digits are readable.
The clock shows 4:08:24
